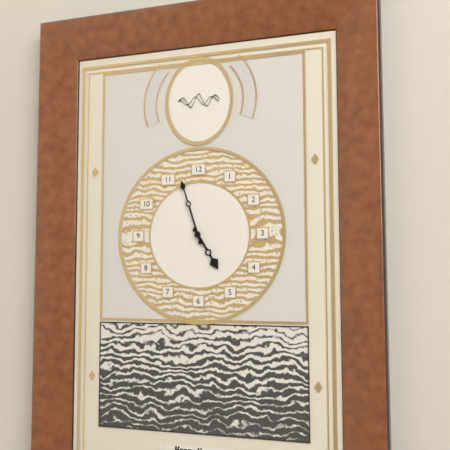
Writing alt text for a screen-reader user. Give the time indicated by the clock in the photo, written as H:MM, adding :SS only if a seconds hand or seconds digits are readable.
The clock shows 4:57
